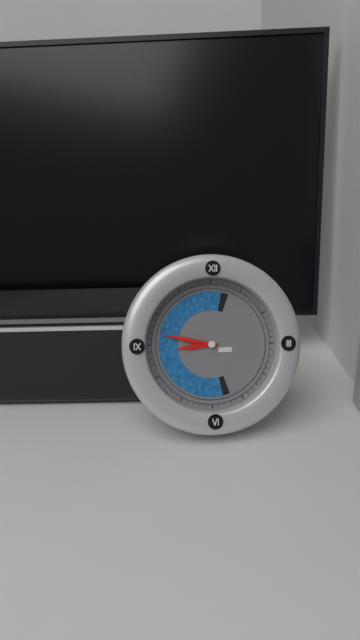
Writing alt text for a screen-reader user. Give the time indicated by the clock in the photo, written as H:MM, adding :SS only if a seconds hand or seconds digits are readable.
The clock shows 8:47
